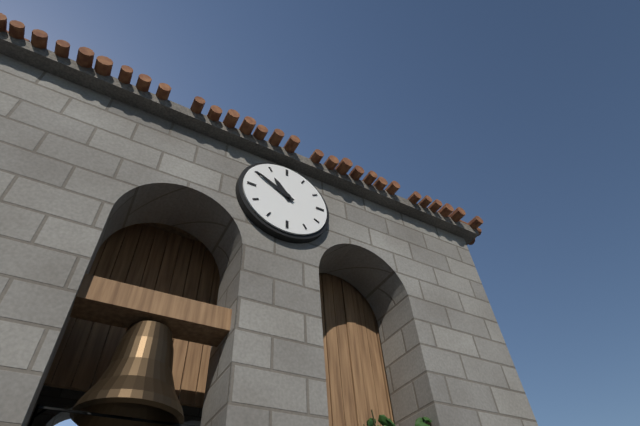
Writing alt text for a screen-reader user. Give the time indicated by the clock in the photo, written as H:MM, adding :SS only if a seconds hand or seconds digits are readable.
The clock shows 10:50
